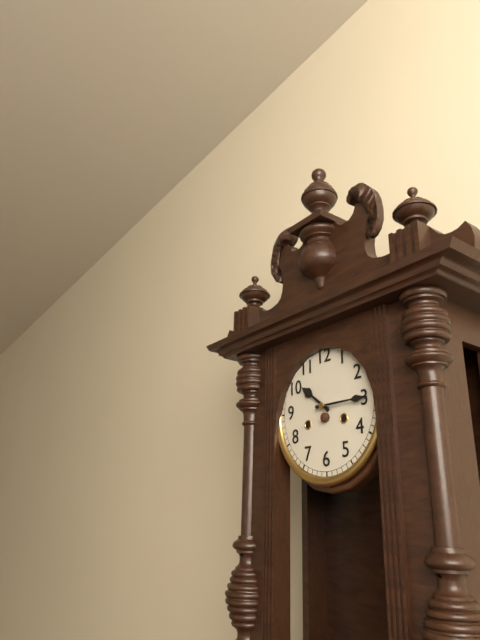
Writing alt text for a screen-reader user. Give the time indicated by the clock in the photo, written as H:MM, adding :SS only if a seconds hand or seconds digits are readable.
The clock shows 10:15
